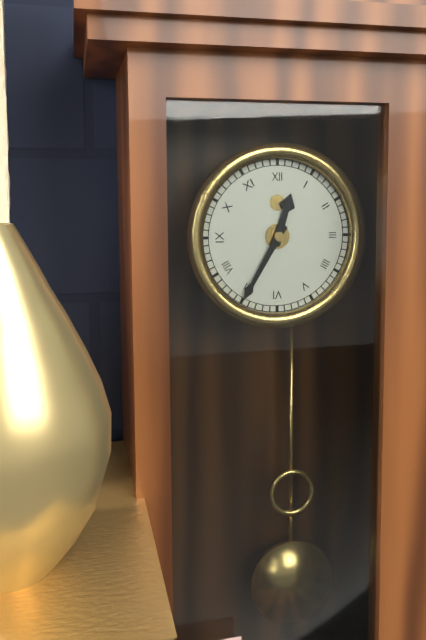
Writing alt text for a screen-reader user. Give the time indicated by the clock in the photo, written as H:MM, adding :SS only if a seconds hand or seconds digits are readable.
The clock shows 12:35
